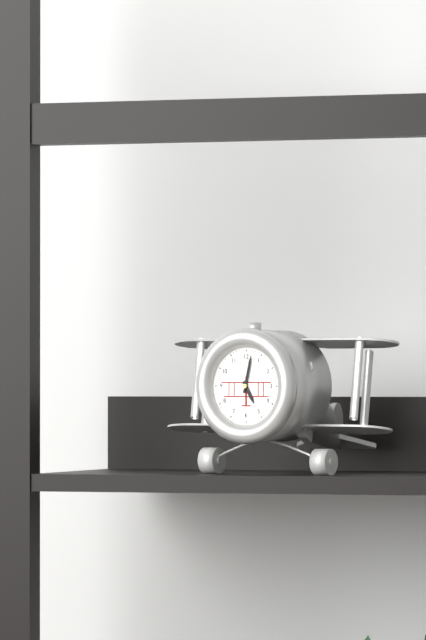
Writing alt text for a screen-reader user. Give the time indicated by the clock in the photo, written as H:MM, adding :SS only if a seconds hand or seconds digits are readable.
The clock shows 5:02
